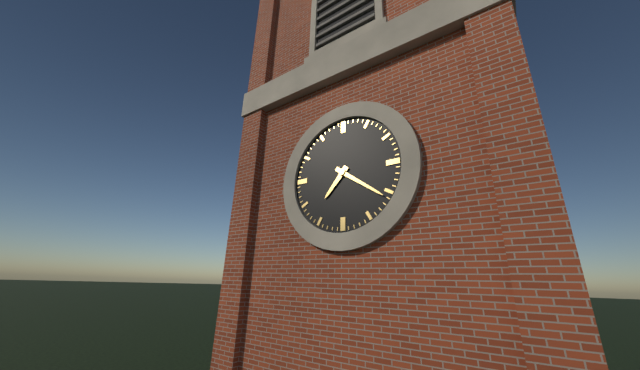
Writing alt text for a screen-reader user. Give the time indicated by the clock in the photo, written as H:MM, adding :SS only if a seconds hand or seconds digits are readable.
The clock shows 7:21
